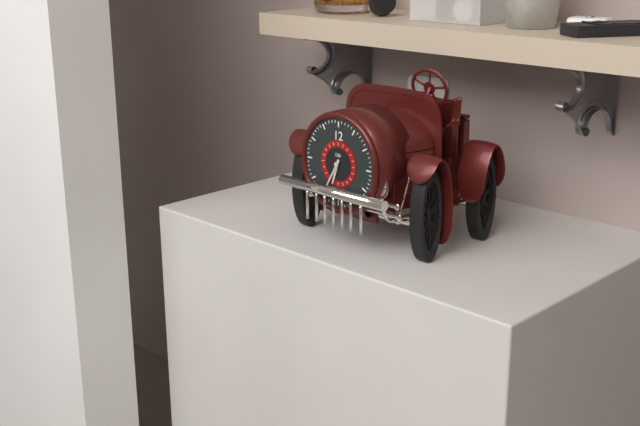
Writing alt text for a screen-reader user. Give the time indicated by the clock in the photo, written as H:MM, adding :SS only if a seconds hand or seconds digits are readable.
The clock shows 6:35
